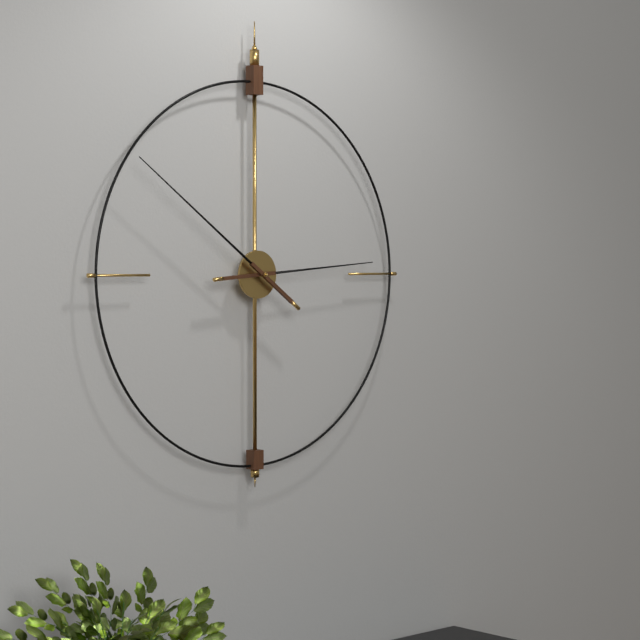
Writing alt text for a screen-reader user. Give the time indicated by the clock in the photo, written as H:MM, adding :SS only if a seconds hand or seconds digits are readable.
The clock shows 2:51
